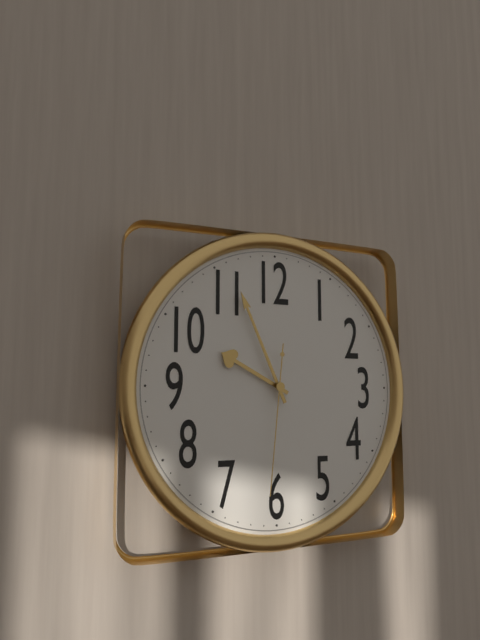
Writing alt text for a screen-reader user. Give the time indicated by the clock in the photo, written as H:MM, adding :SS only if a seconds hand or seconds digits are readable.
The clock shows 9:56:31
